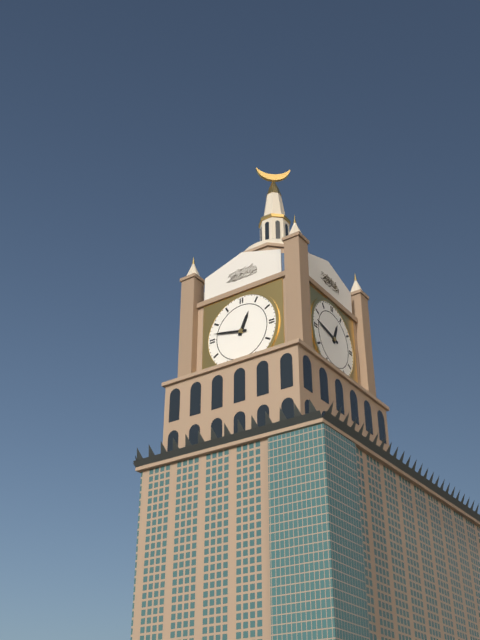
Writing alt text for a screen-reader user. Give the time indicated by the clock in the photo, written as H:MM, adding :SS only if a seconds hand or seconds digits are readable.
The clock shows 12:47
